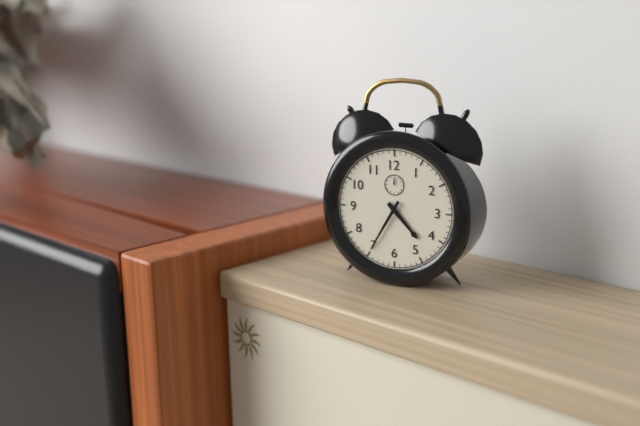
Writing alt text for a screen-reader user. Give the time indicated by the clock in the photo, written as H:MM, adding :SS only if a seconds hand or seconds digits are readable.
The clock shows 4:35
